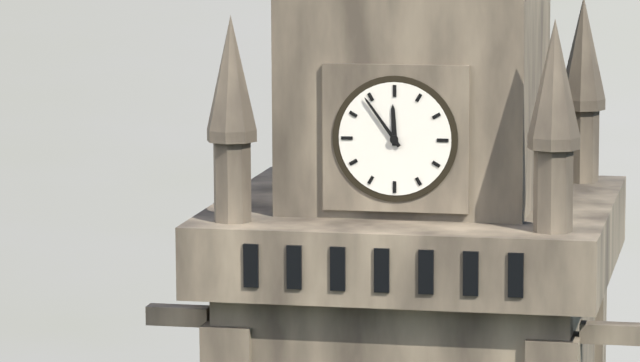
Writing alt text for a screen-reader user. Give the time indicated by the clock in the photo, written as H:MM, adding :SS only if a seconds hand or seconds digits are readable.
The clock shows 11:54
